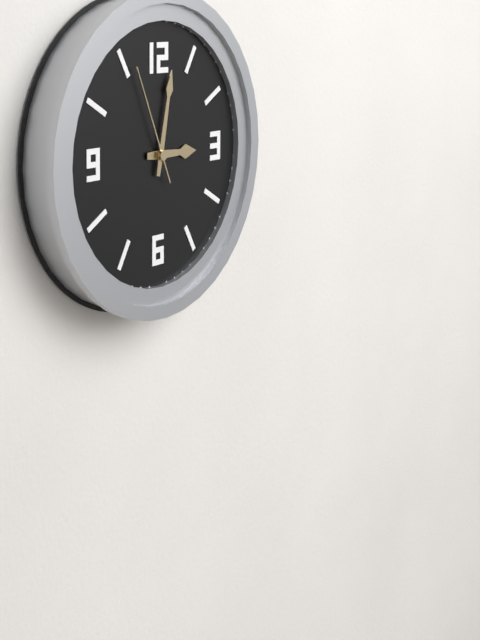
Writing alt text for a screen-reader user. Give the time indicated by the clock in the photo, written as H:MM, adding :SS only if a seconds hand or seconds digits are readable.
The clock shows 3:02:56
